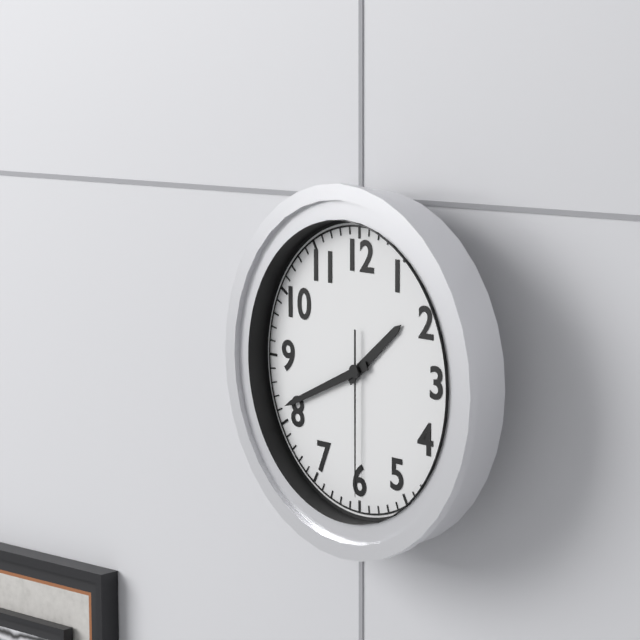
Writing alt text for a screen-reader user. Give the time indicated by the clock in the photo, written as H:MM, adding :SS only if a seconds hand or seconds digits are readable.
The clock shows 1:41:30
